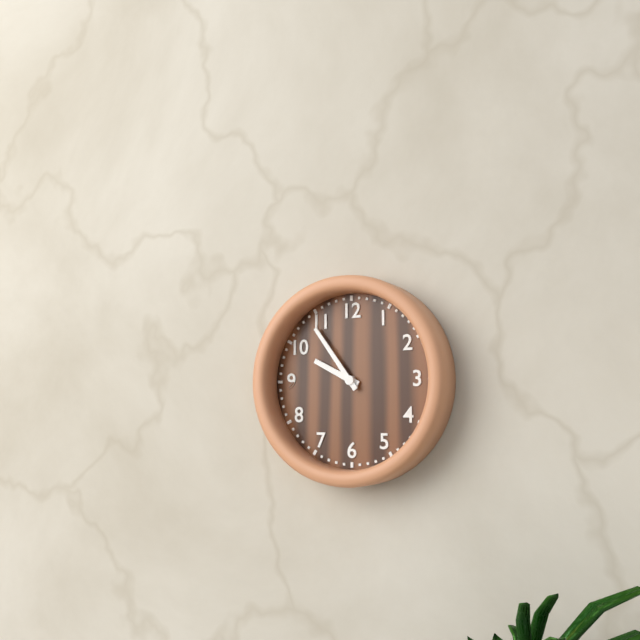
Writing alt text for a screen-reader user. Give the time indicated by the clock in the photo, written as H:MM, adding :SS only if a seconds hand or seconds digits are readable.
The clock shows 9:54
